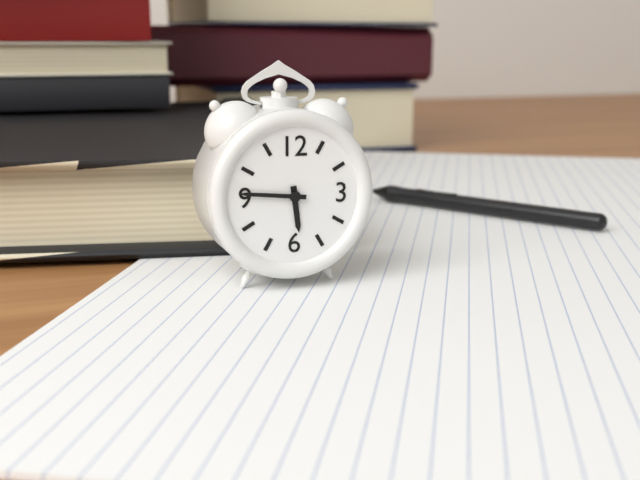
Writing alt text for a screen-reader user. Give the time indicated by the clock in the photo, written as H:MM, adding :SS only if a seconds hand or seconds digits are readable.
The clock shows 5:46
